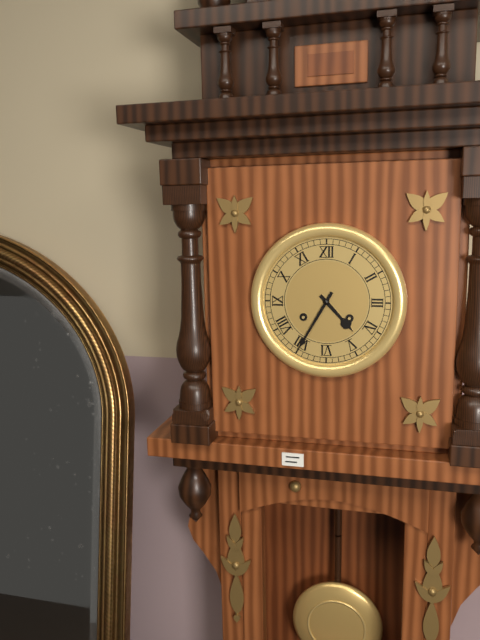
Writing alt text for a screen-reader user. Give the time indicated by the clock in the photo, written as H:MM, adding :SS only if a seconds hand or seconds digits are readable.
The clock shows 4:35
